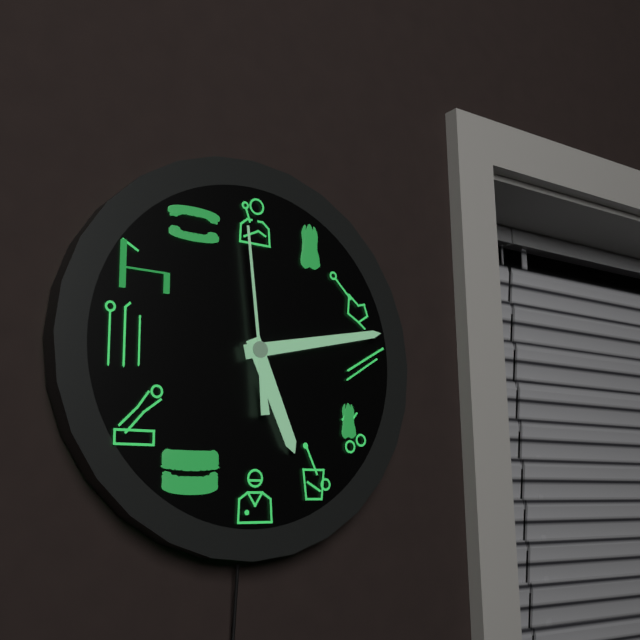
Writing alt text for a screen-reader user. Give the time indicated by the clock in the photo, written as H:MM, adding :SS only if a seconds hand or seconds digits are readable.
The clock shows 5:13:59
